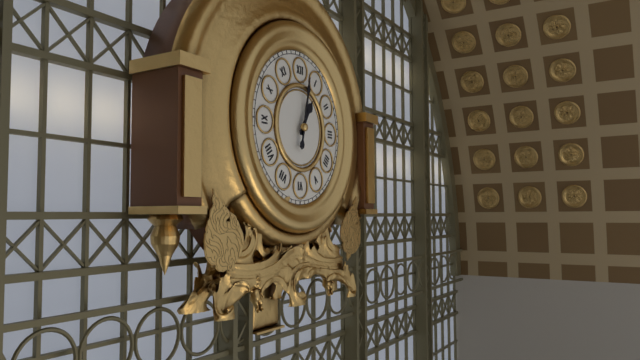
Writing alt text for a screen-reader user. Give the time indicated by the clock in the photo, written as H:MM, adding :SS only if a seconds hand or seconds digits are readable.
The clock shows 1:02
